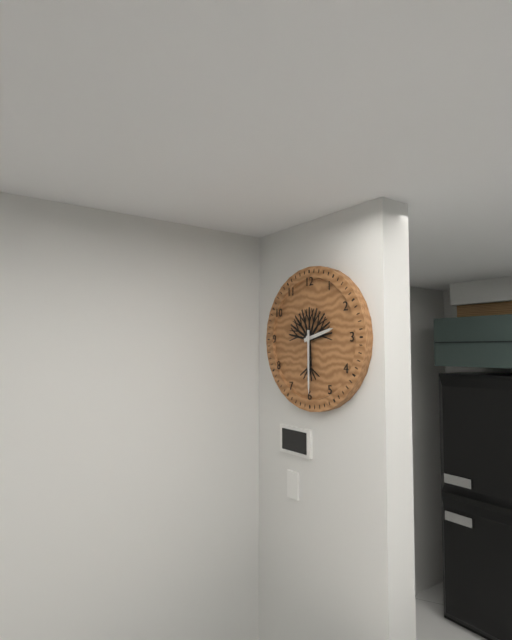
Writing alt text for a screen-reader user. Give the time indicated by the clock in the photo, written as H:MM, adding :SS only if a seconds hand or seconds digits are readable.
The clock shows 2:30
